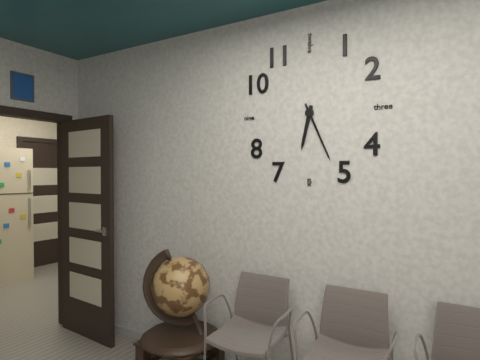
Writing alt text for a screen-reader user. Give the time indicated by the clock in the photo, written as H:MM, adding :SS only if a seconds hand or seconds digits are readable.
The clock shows 6:26
